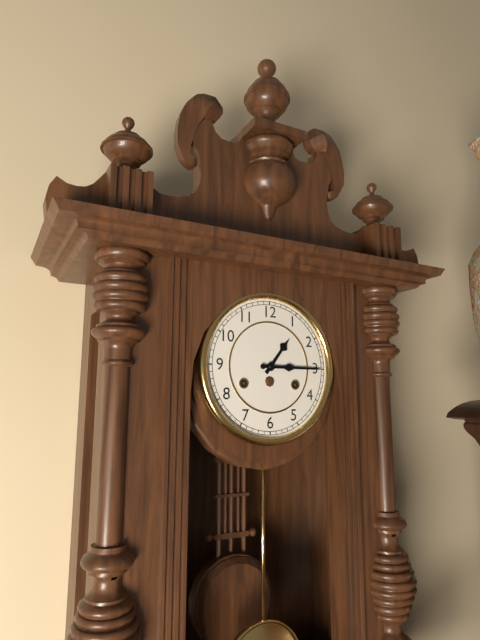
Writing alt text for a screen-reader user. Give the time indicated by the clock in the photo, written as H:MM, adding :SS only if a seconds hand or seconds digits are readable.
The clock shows 1:15
